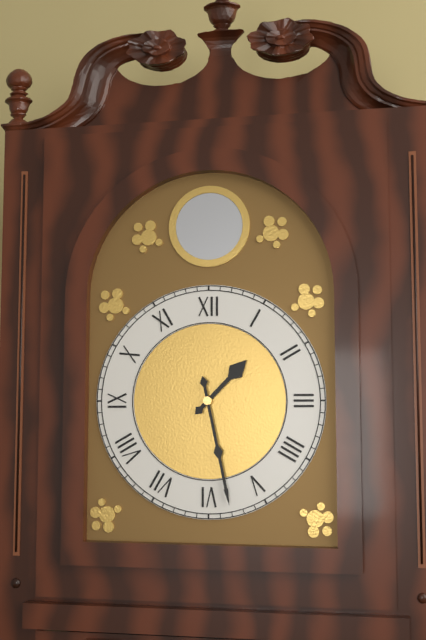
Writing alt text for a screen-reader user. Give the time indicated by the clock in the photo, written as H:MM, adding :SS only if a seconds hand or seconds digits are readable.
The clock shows 1:28
